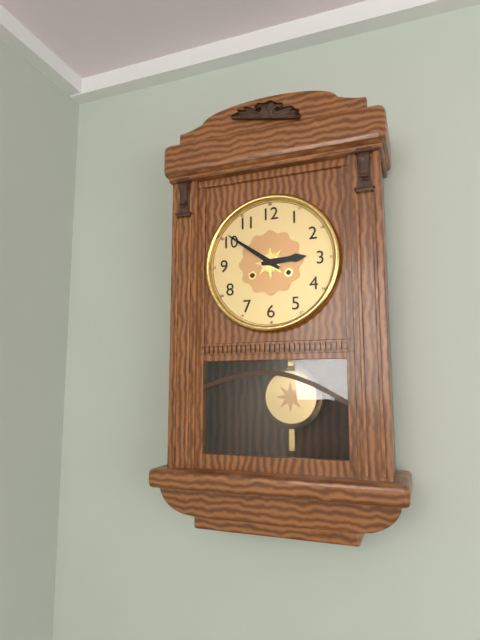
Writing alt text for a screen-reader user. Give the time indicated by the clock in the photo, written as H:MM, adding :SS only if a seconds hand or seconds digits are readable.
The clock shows 2:51
